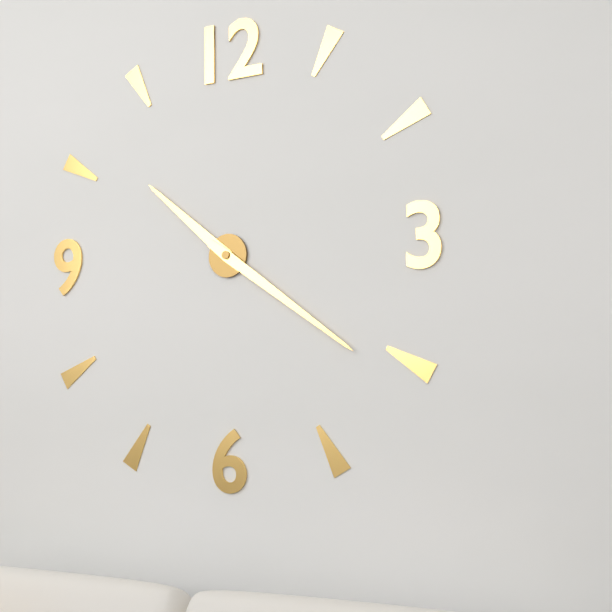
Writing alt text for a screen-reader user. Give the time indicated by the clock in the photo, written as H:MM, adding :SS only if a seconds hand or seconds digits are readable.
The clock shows 10:21
